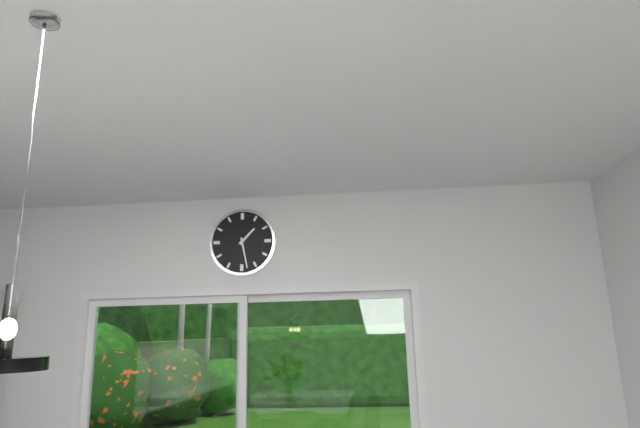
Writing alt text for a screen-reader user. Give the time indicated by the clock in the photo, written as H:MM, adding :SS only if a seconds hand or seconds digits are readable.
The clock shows 1:28
